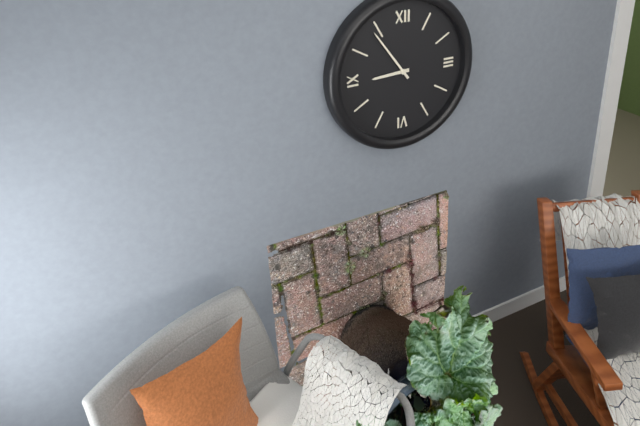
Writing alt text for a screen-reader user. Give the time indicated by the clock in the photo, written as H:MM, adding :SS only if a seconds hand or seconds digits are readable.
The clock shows 8:54
